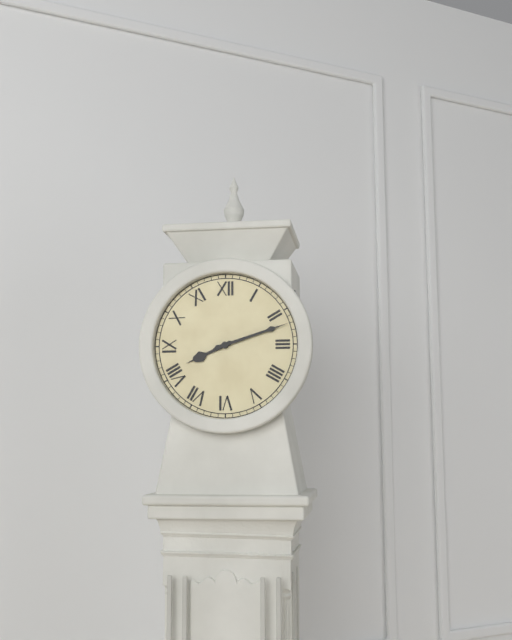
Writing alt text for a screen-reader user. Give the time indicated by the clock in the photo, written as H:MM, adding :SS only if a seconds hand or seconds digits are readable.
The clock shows 8:12
